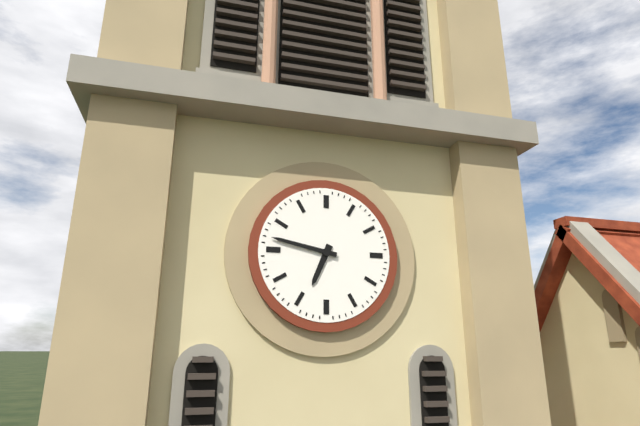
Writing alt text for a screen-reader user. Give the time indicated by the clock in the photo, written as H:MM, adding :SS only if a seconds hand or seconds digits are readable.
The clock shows 6:47
